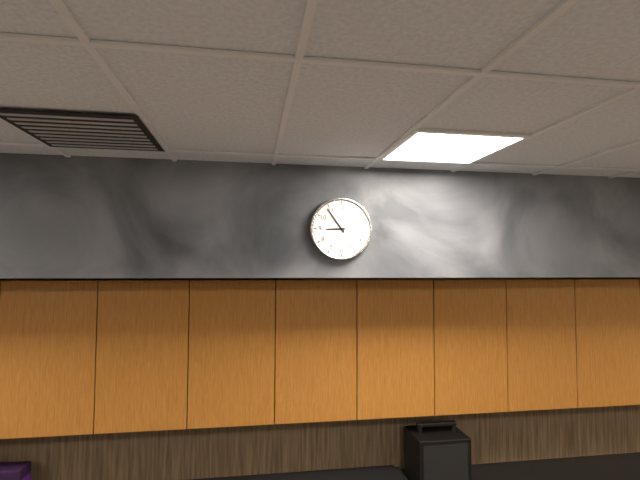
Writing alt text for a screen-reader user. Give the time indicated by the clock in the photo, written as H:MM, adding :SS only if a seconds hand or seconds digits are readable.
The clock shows 8:54
